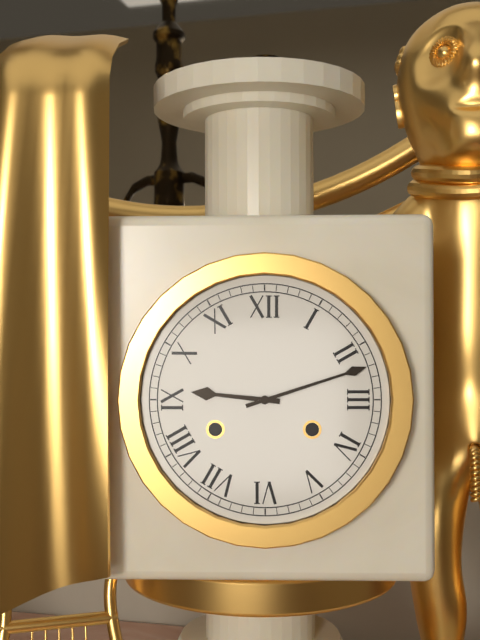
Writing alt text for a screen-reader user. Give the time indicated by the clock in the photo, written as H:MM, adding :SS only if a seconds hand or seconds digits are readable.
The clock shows 9:12
